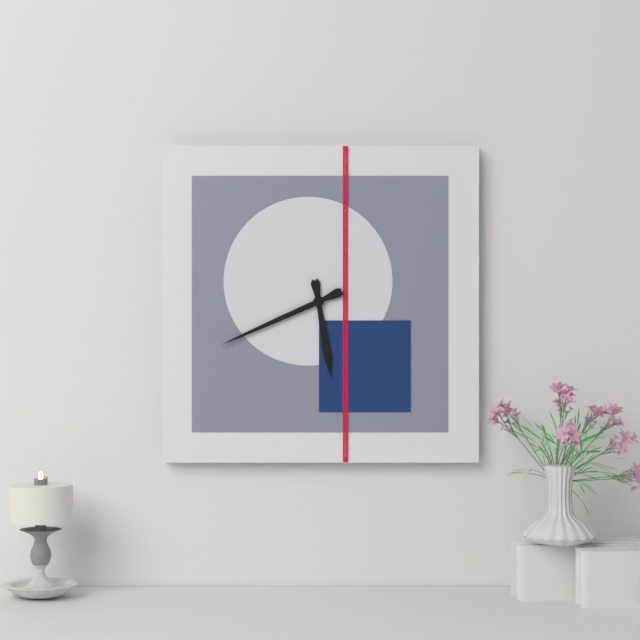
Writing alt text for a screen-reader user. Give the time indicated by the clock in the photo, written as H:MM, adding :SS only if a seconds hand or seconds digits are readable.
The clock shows 5:41
